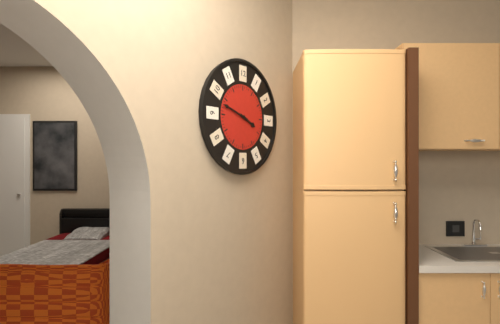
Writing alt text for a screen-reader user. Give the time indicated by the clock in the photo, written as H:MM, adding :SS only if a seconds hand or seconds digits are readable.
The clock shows 3:48
